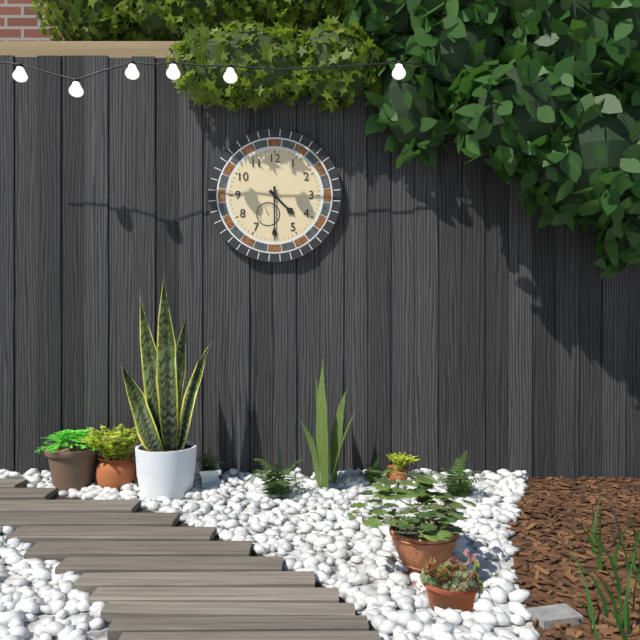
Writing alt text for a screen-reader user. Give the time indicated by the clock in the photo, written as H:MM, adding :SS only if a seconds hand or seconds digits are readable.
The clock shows 4:30
